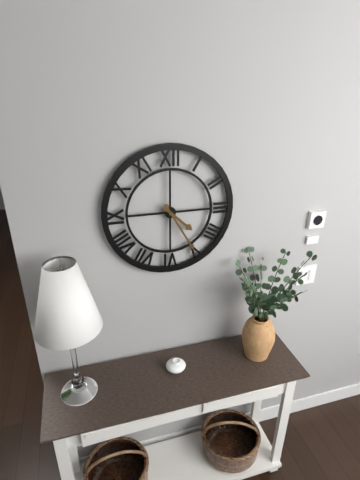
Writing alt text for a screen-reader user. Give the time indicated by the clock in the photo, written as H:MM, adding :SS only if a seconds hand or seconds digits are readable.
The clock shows 4:25
